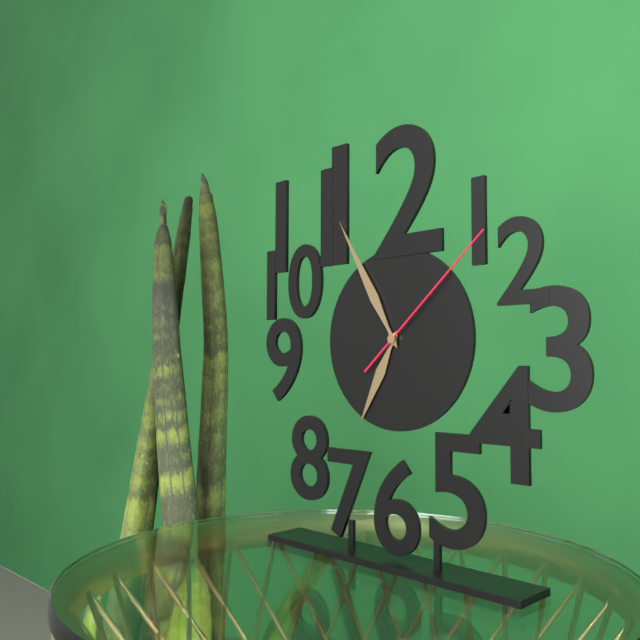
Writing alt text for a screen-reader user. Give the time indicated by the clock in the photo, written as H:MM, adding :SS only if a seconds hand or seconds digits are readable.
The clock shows 6:55:08
